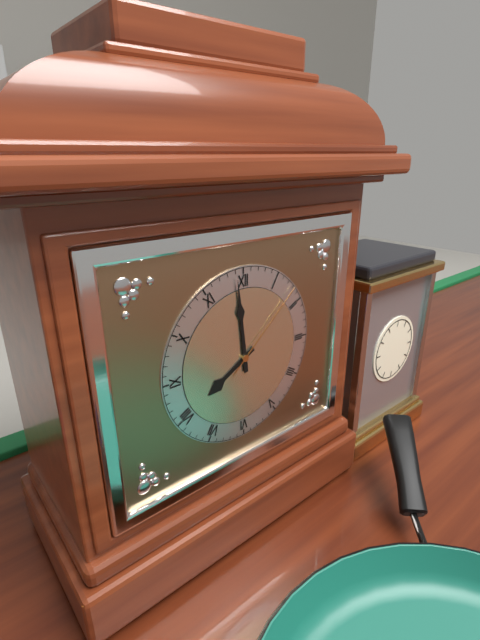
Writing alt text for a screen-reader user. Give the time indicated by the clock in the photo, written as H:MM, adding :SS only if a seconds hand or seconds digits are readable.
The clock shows 7:59:08
